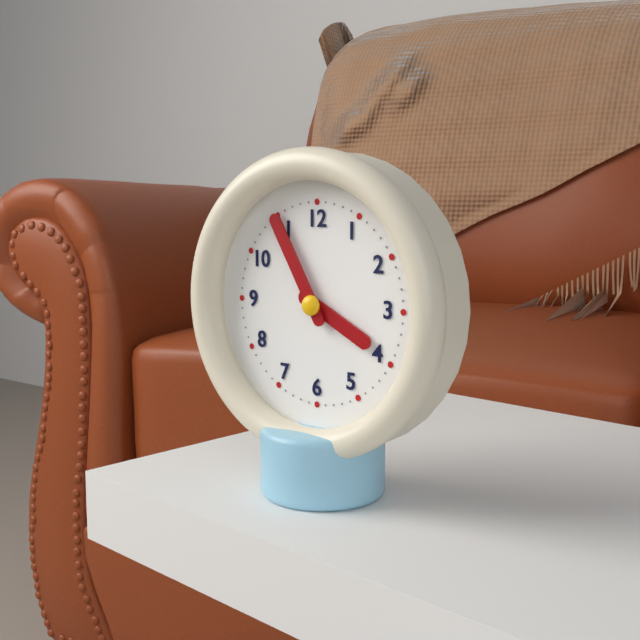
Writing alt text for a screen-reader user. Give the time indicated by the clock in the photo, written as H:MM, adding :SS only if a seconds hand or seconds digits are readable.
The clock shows 3:55
